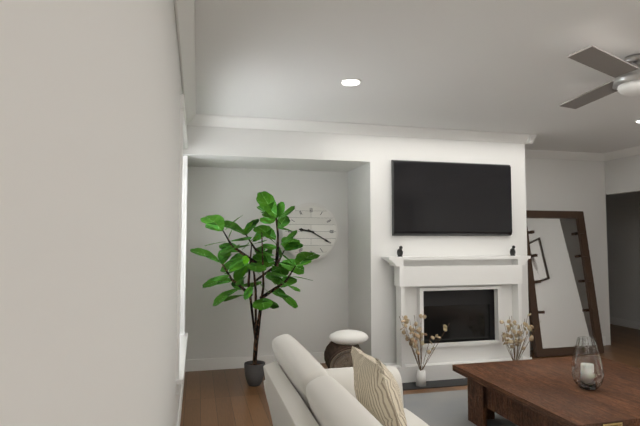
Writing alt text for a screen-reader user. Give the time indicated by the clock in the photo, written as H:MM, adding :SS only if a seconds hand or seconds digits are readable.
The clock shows 9:20
